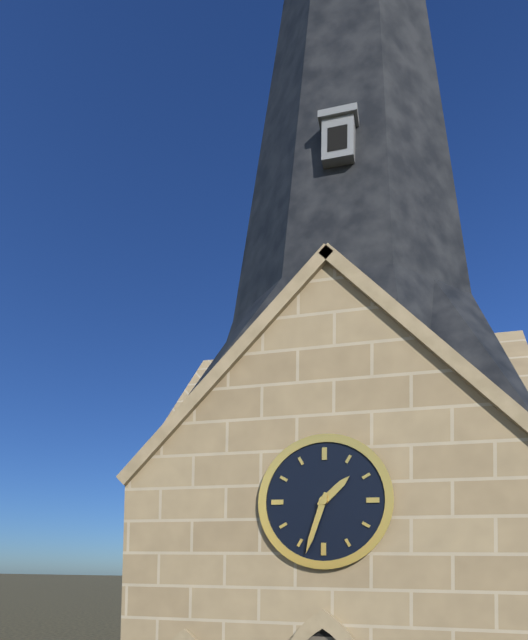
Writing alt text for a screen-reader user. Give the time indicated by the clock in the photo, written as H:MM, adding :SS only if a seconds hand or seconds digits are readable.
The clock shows 1:33
